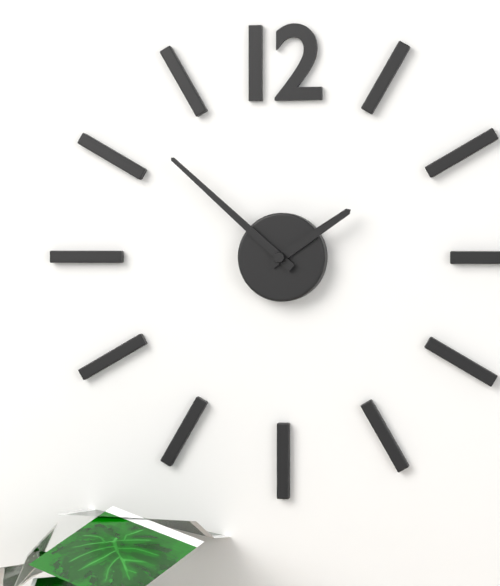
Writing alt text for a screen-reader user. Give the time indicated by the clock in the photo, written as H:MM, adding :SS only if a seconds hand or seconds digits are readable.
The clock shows 1:52
